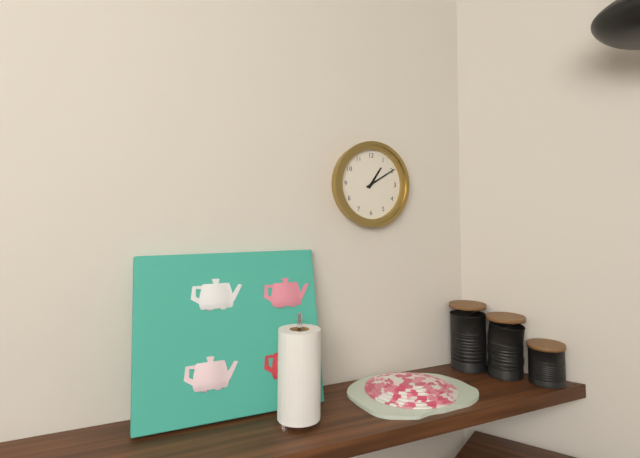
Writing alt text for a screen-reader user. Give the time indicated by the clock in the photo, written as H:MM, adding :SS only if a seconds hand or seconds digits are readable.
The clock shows 1:10
